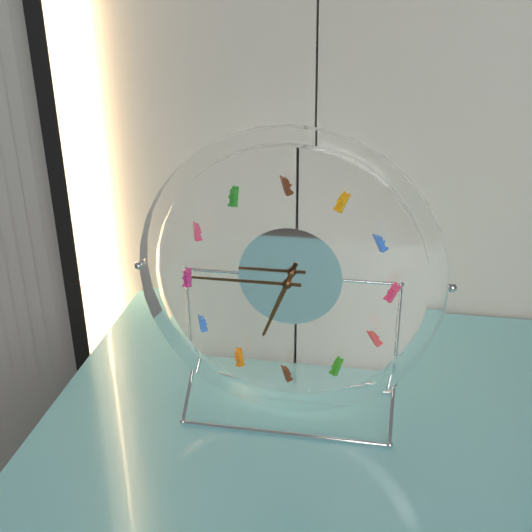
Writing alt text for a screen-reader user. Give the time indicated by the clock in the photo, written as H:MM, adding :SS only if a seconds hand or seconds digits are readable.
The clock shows 6:45
